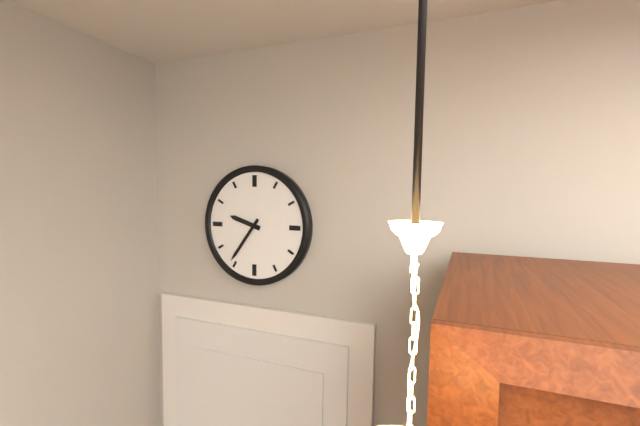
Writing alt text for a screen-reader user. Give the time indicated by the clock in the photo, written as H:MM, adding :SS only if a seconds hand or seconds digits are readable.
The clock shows 9:36
